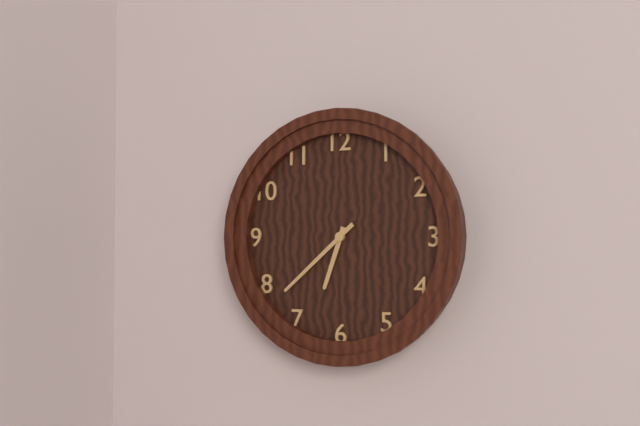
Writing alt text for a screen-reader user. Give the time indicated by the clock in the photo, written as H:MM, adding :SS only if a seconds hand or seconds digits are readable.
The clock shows 6:38
